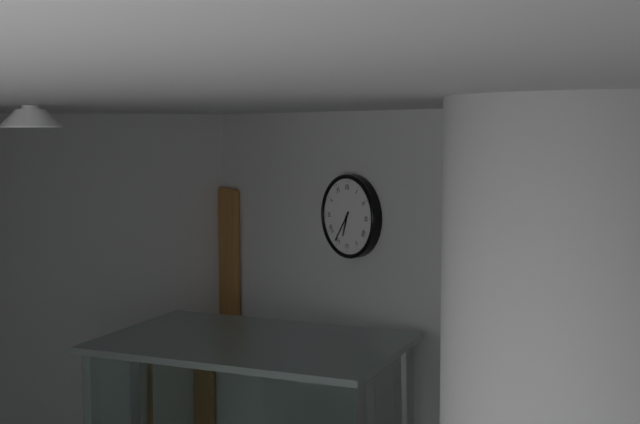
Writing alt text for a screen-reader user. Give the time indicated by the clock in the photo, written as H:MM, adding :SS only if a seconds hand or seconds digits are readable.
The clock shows 6:36
